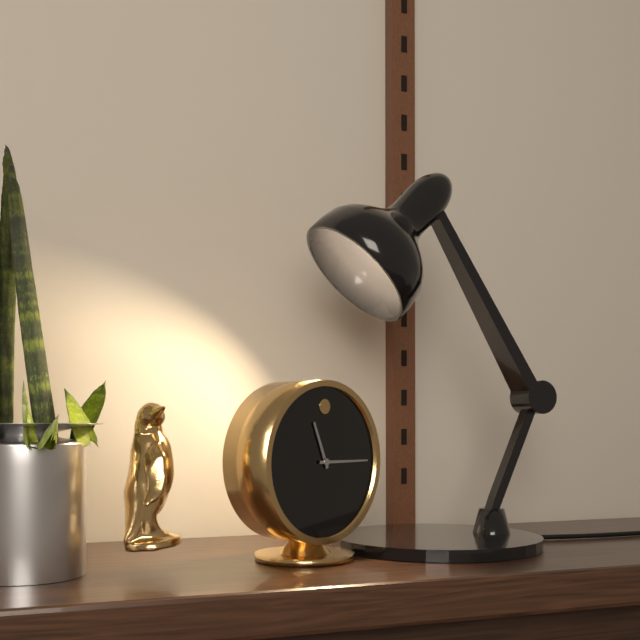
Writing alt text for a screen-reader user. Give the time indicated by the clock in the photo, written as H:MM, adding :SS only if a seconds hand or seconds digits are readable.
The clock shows 11:15
